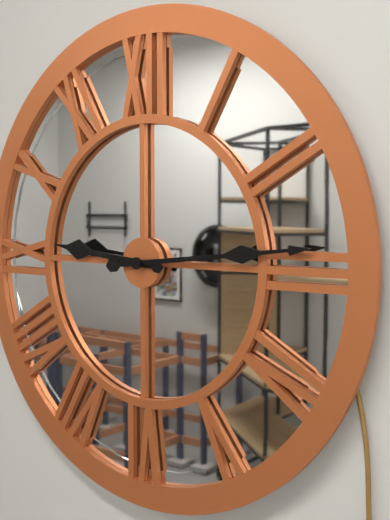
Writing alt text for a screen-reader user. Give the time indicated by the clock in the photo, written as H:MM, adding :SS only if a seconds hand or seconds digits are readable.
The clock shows 9:14
